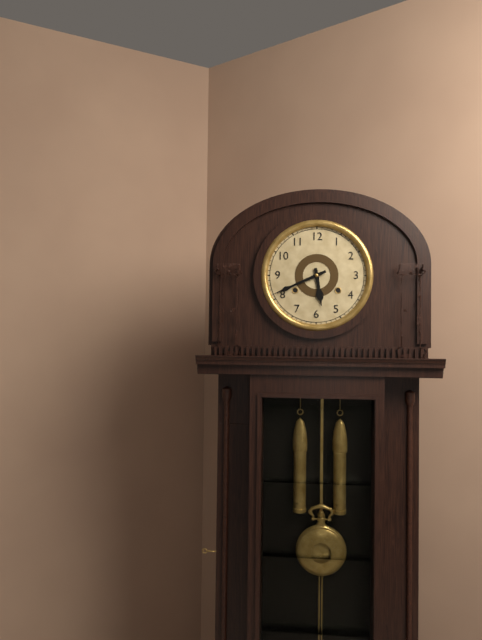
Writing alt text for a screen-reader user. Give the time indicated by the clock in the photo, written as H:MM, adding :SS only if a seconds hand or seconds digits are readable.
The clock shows 5:41
